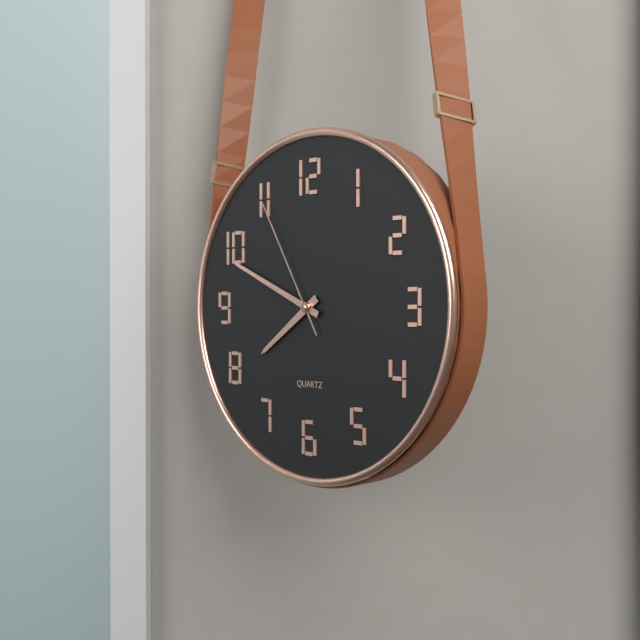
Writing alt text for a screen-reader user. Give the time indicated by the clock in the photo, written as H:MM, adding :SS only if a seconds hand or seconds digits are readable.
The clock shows 7:49:55
